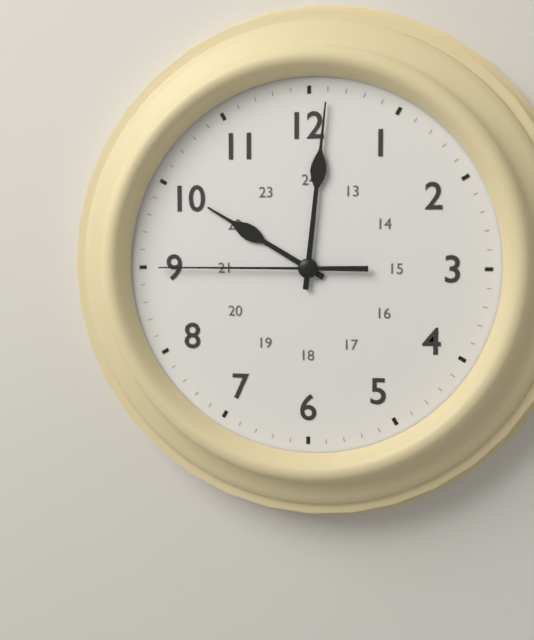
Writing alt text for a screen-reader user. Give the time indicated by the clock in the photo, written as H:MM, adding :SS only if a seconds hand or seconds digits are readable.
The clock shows 10:01:45
